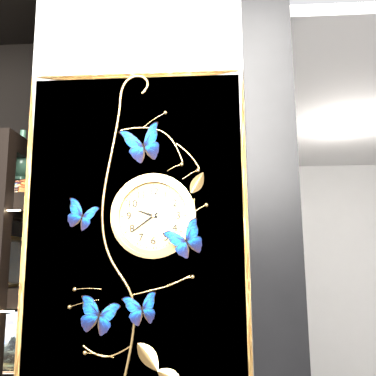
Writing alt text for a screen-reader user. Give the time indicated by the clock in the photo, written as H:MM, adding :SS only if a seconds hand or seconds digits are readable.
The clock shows 9:39
